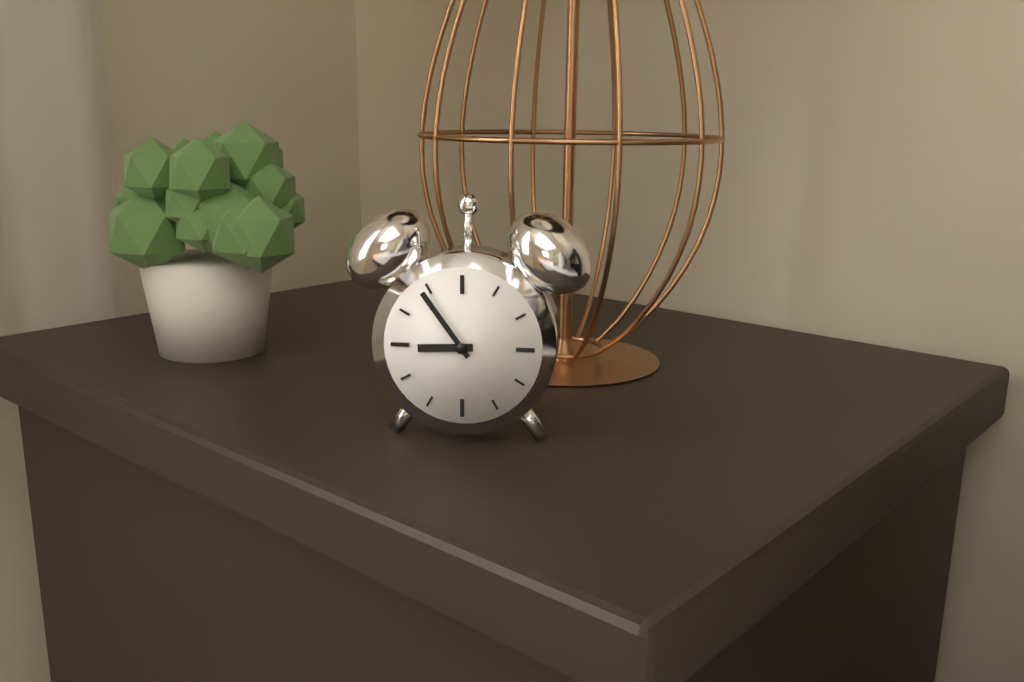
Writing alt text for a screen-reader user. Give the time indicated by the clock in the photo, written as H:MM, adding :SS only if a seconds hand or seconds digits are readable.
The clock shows 8:54
